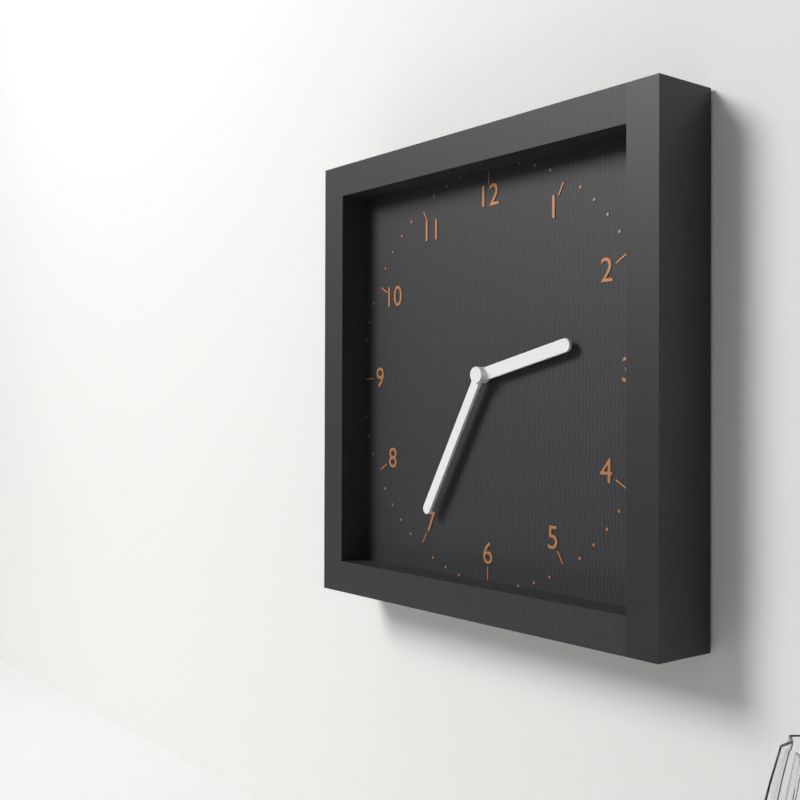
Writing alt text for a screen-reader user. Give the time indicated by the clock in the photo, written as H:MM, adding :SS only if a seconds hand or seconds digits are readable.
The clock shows 2:35
